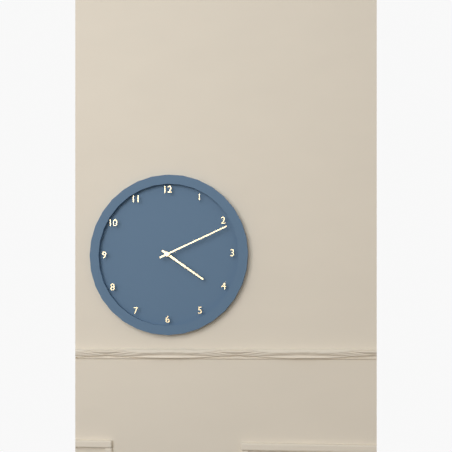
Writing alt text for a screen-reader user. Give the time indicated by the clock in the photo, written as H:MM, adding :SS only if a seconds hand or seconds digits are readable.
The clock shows 4:11
